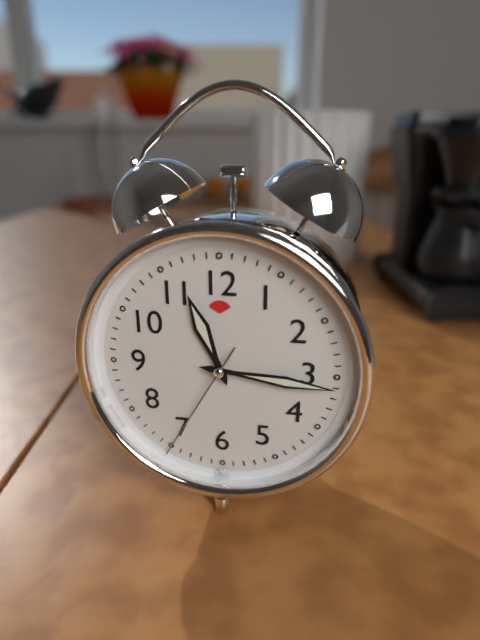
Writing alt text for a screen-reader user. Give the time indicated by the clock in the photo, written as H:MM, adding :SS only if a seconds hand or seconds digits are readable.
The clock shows 11:16:35
